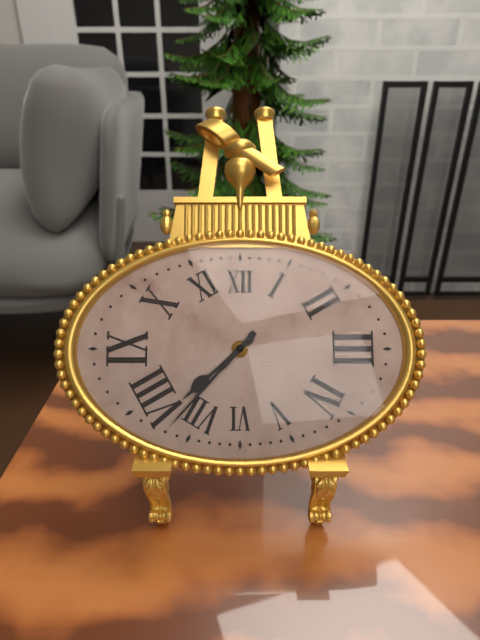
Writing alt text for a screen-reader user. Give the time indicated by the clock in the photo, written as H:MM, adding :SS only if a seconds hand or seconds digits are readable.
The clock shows 7:37
